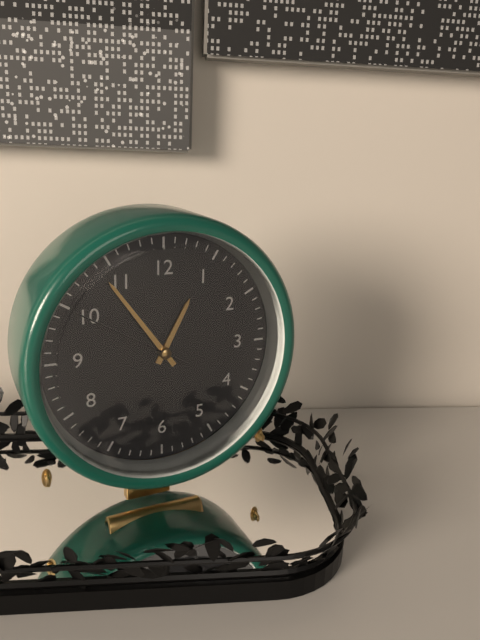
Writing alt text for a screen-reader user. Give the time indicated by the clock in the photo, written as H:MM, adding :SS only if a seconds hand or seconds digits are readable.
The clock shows 12:54:50
